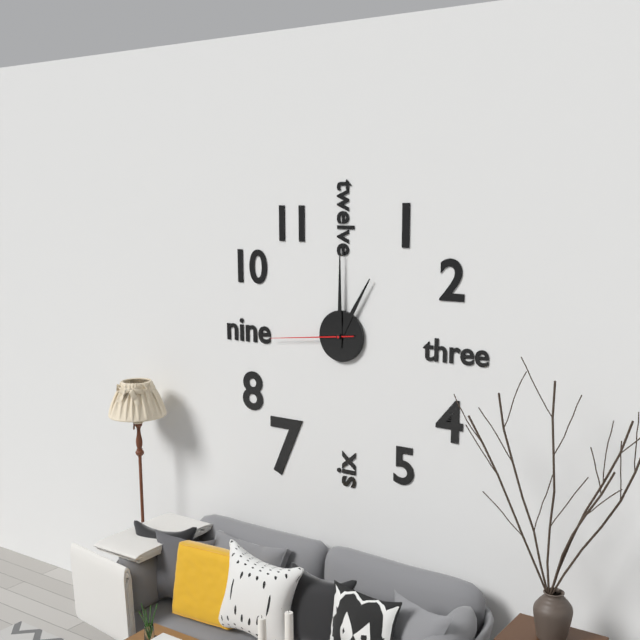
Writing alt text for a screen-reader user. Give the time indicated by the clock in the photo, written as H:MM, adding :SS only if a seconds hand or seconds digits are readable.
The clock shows 1:00:44
